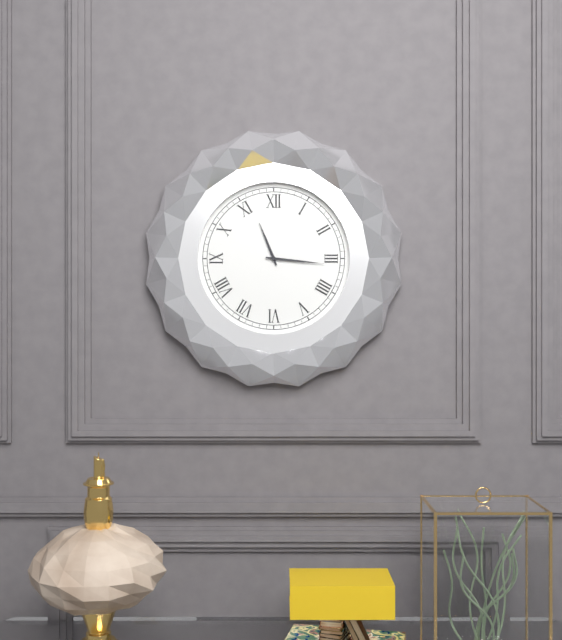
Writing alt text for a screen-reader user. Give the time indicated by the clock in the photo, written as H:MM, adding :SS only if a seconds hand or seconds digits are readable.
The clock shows 11:16
